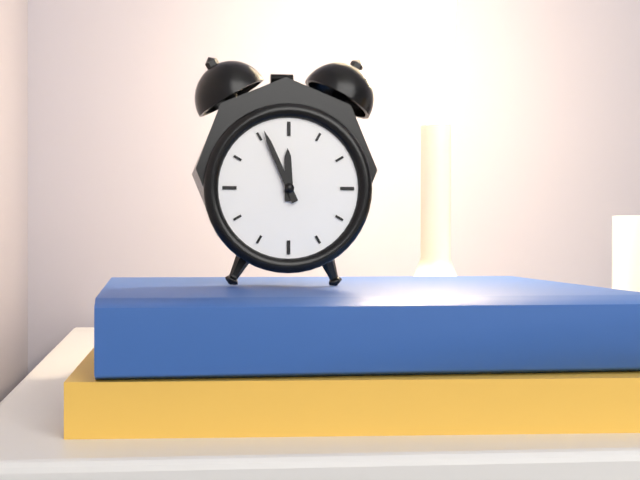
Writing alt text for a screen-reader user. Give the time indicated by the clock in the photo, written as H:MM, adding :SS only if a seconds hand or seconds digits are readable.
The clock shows 11:56
